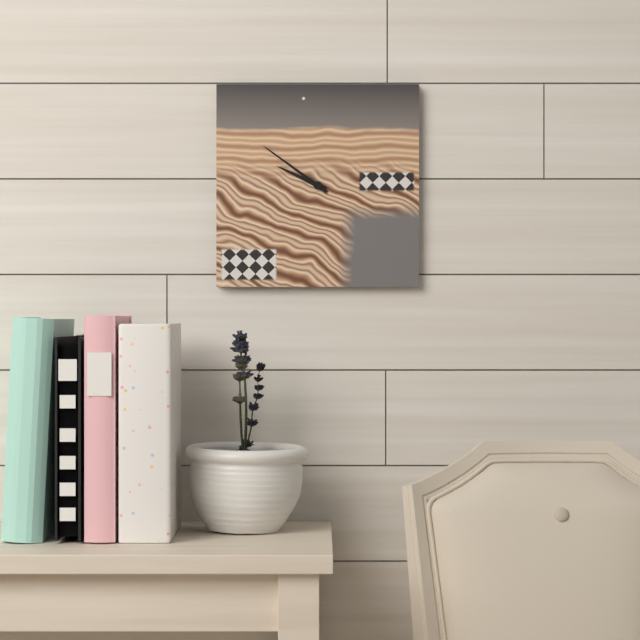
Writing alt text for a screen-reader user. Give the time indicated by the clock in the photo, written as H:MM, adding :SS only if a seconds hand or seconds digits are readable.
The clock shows 9:51
